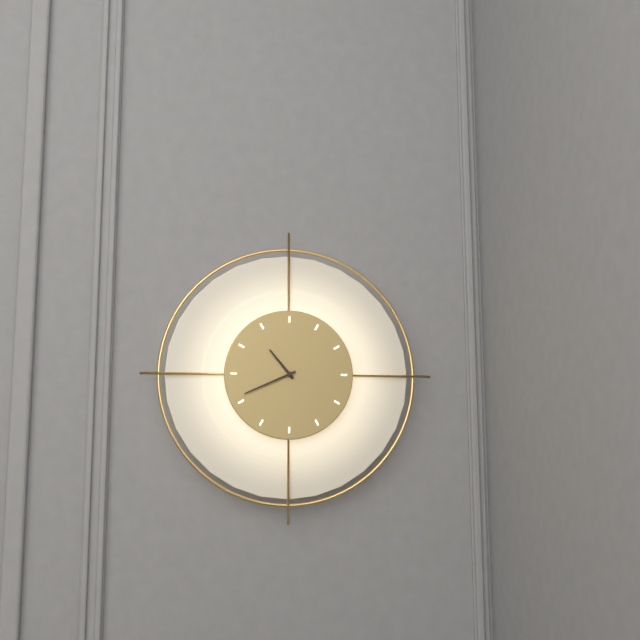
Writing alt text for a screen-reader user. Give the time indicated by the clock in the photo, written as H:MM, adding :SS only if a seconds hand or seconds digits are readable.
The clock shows 10:41
